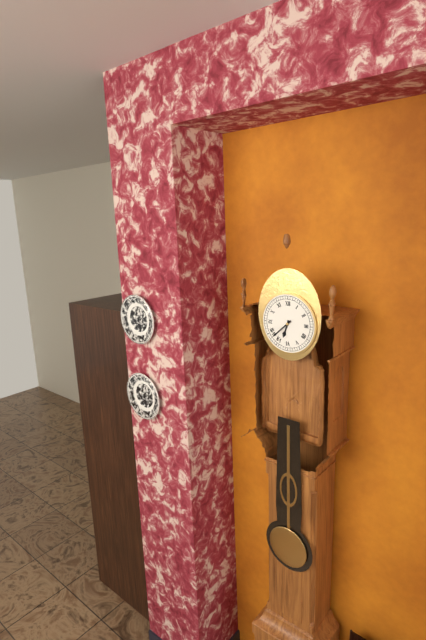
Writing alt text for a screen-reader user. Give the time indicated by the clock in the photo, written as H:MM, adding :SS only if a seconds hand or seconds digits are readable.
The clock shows 6:38
